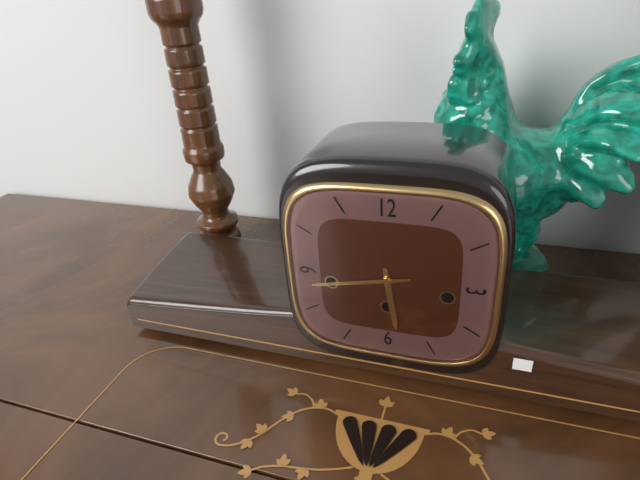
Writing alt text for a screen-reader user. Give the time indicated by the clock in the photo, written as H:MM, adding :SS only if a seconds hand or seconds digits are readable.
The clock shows 5:43
